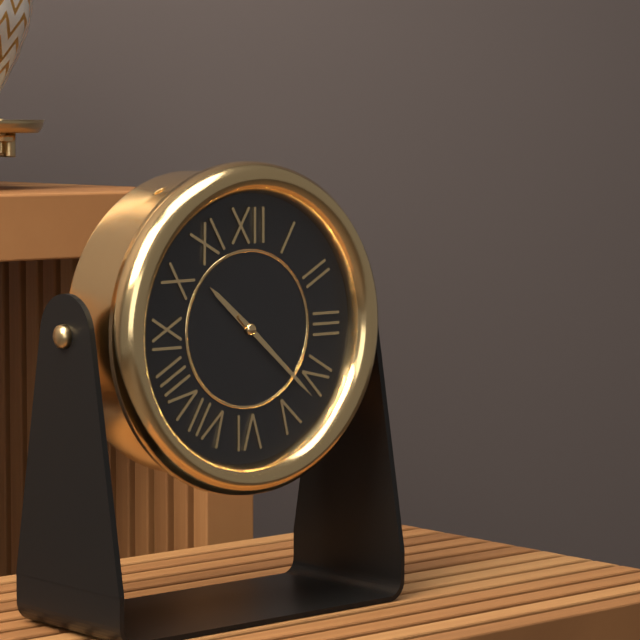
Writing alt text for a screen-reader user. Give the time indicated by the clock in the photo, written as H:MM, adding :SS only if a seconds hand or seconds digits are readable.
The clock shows 10:22
